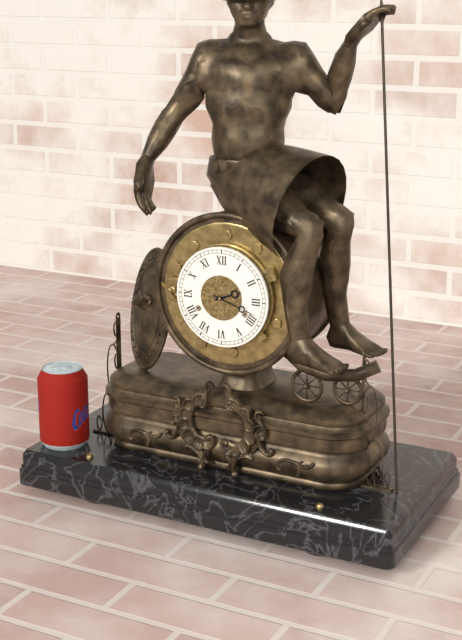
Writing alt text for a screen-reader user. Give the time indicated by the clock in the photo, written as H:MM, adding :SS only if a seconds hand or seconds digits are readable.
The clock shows 2:18
